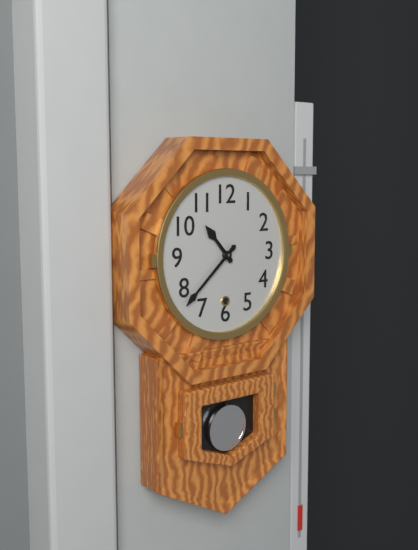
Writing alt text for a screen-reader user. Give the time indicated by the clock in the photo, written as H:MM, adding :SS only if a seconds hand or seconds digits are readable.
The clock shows 10:38
